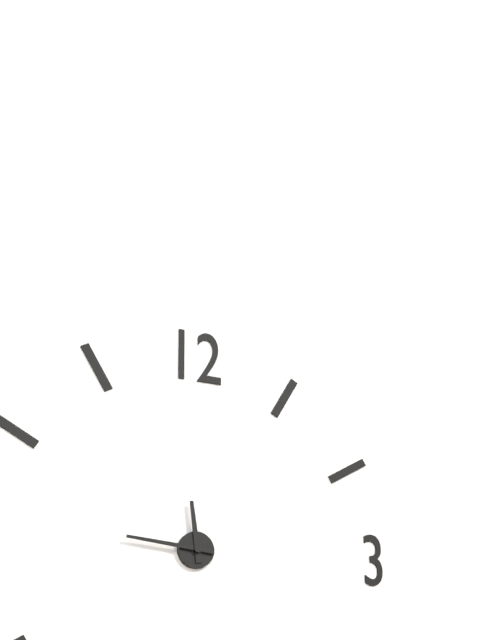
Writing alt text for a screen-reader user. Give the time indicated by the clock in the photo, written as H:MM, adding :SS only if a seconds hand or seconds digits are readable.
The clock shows 11:46
